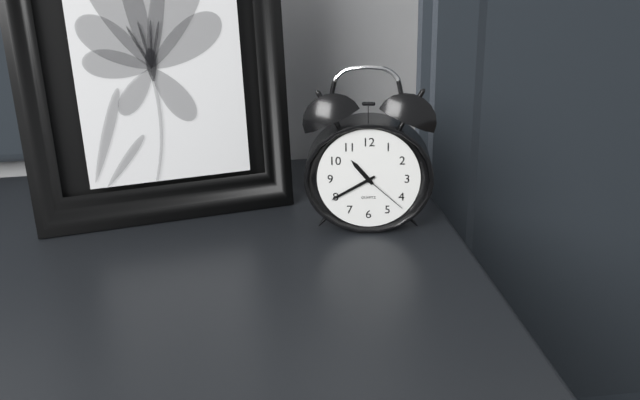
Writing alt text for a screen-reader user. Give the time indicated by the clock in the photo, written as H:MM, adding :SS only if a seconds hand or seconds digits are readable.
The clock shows 10:40:22
